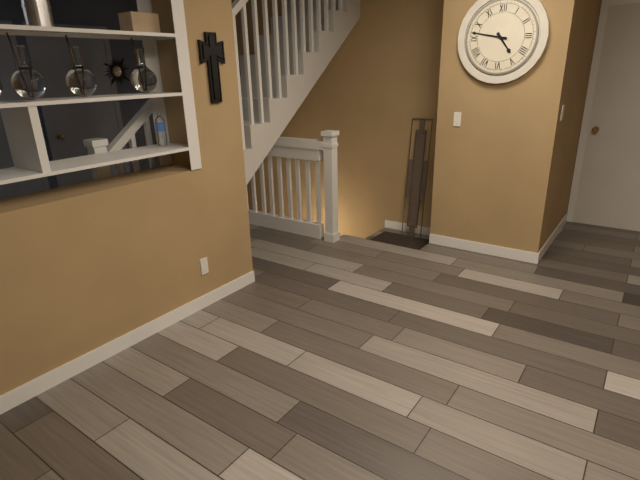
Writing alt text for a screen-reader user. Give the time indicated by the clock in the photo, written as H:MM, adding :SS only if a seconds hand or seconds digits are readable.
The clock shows 4:47
